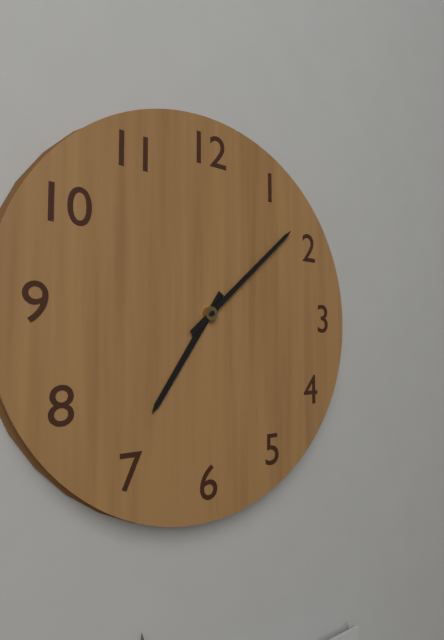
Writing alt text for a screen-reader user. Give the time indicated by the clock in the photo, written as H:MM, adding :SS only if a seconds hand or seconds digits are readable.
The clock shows 7:08
